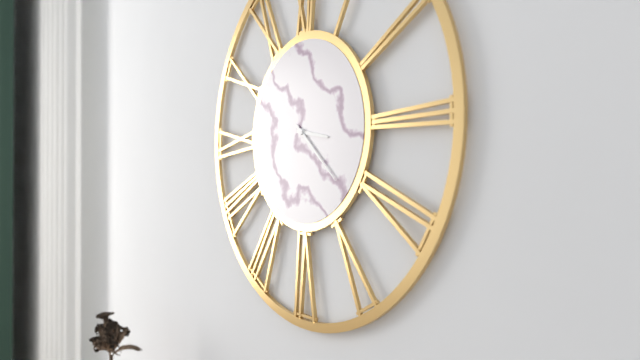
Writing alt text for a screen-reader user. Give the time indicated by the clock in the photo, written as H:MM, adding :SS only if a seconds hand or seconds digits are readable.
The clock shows 3:22
